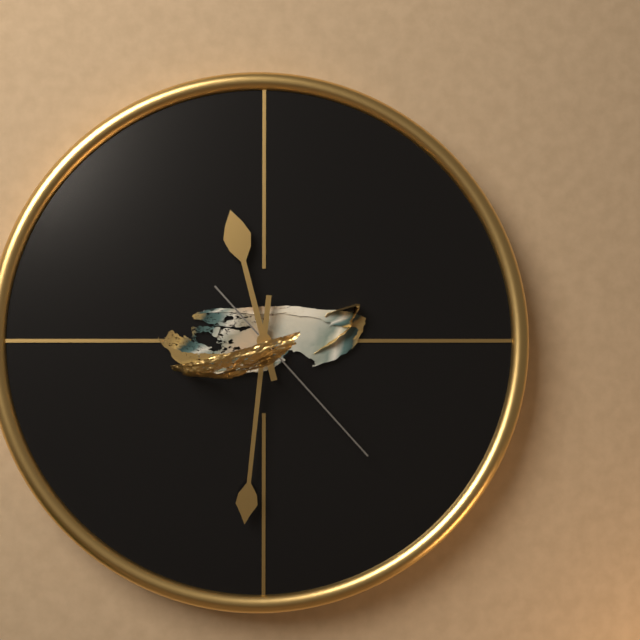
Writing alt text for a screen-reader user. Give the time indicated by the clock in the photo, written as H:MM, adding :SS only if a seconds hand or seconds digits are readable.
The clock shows 11:31:23
